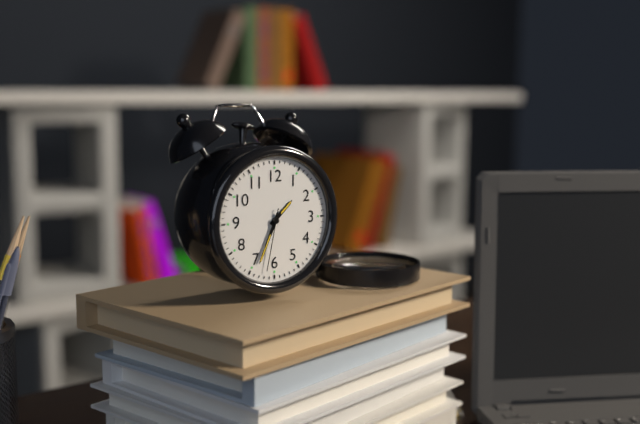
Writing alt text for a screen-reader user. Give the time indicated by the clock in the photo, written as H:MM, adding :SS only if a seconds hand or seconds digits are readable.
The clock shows 1:34:32
